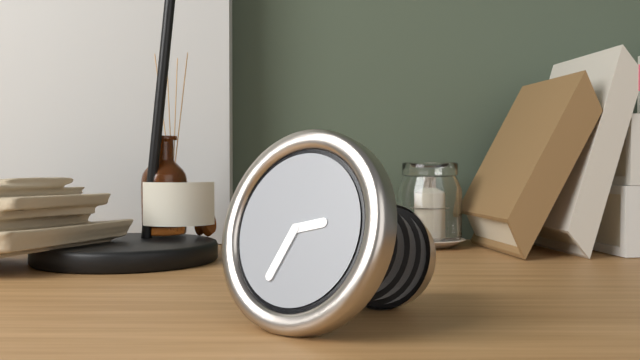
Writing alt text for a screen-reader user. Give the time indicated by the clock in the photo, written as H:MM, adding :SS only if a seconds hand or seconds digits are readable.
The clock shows 2:34
